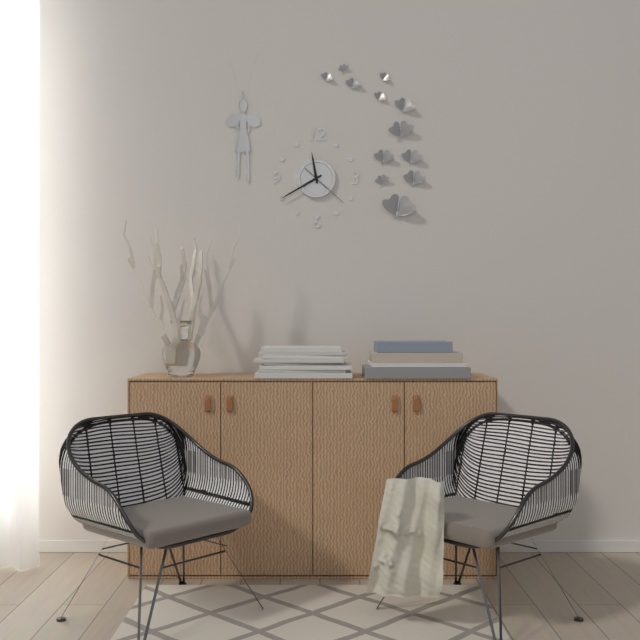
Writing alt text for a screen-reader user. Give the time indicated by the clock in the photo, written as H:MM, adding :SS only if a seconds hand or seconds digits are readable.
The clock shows 11:40
